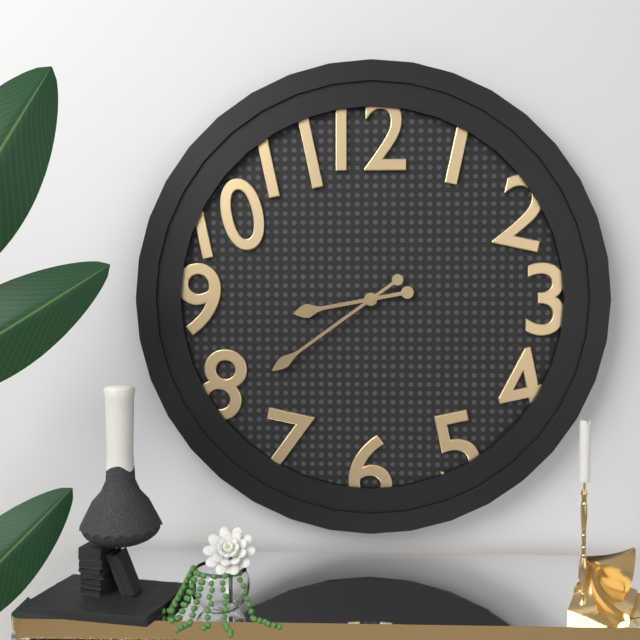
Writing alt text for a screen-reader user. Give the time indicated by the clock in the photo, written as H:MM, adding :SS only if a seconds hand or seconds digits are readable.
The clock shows 8:39
